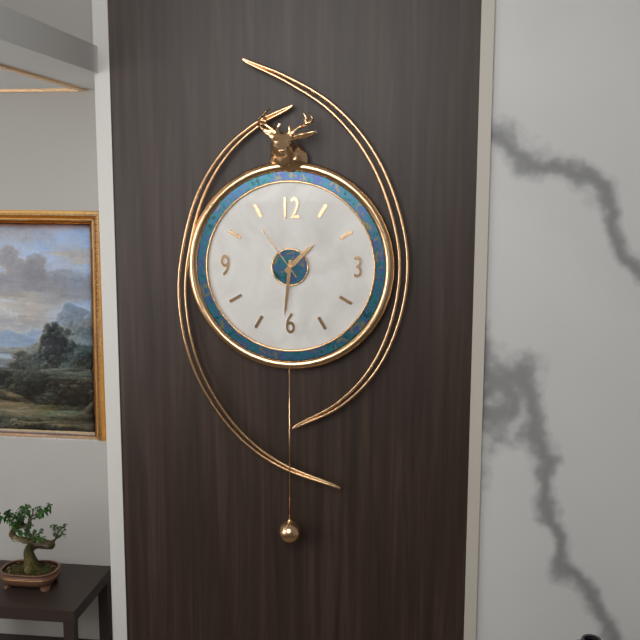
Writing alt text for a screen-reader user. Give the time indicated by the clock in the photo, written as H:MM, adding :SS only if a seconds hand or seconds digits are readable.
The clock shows 1:31:54
